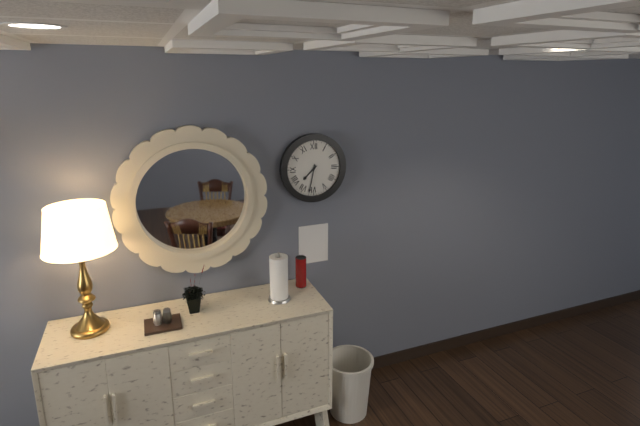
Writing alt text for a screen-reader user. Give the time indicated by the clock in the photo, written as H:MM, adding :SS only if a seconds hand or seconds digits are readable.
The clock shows 7:32
